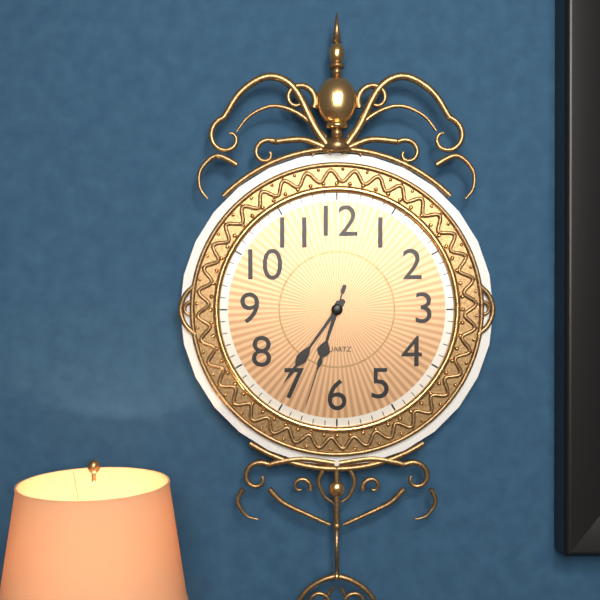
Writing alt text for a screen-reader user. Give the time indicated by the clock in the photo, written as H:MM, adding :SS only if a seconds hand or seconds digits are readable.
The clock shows 6:36:33
